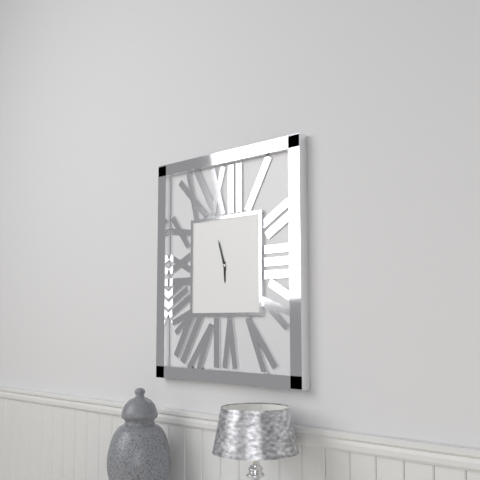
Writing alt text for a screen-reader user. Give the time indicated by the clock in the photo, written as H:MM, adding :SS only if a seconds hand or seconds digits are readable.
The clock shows 5:57
